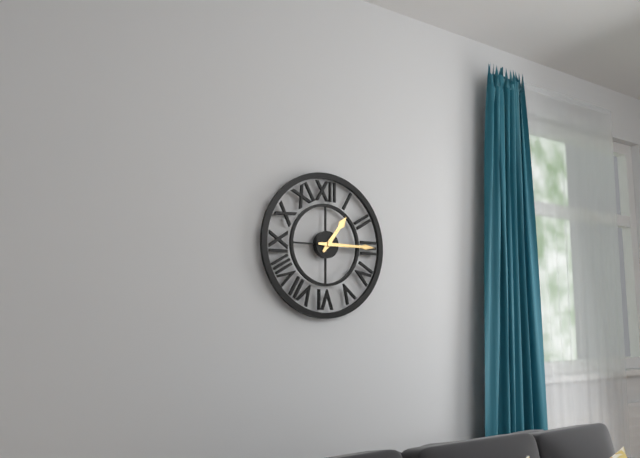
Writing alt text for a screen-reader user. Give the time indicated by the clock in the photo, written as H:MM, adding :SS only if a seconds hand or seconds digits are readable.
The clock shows 1:15
